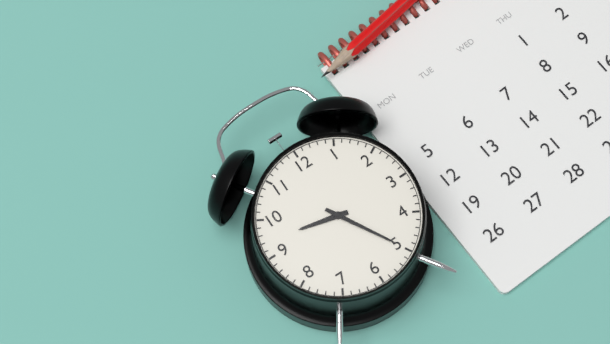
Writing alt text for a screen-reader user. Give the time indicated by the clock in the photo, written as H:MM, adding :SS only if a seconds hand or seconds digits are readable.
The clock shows 9:25
